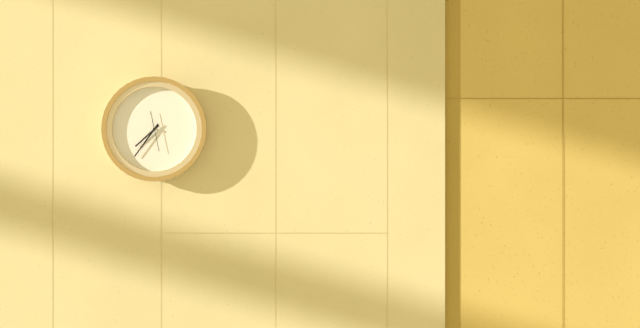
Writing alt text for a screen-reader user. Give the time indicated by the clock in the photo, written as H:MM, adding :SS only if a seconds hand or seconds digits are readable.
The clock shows 7:36
